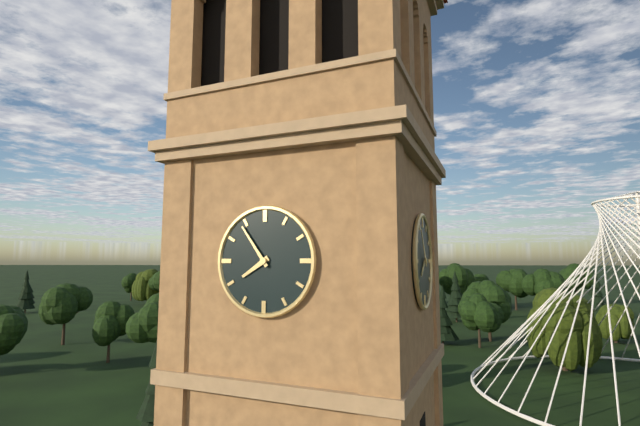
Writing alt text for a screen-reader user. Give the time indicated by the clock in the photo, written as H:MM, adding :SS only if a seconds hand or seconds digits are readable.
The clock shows 7:54
